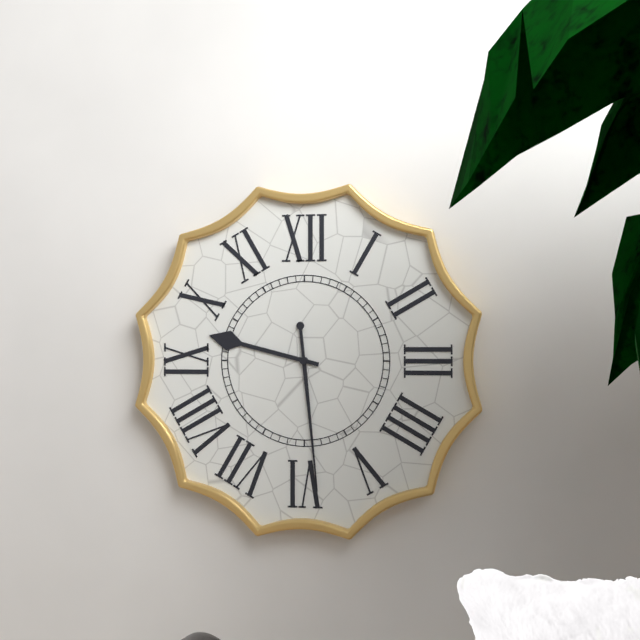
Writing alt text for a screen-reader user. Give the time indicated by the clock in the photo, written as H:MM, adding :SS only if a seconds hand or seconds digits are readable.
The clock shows 9:29
